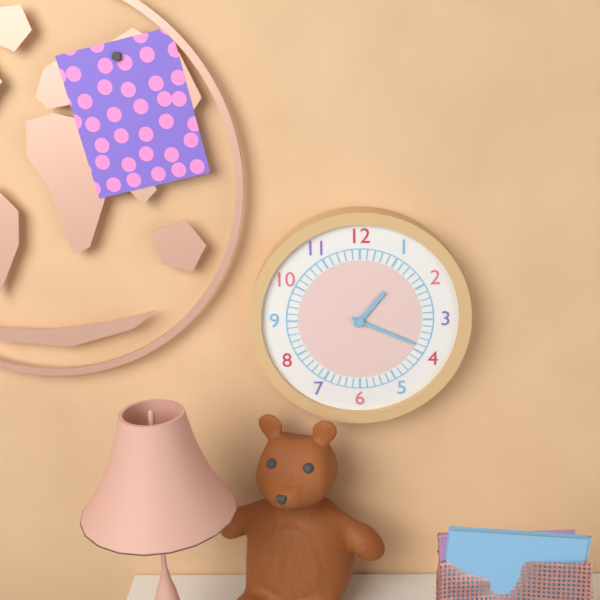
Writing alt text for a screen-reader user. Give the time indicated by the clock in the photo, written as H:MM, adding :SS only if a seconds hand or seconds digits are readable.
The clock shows 1:19
